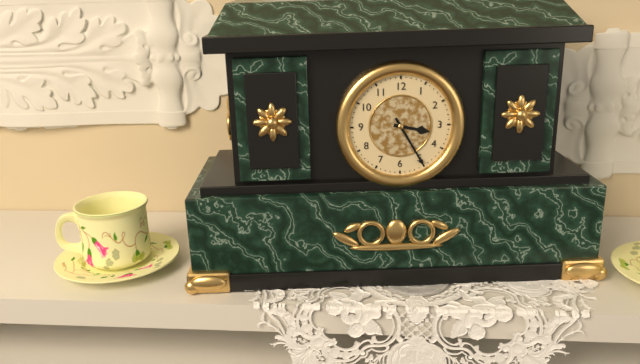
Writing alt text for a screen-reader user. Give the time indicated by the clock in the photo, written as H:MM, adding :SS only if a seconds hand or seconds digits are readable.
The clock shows 3:25
